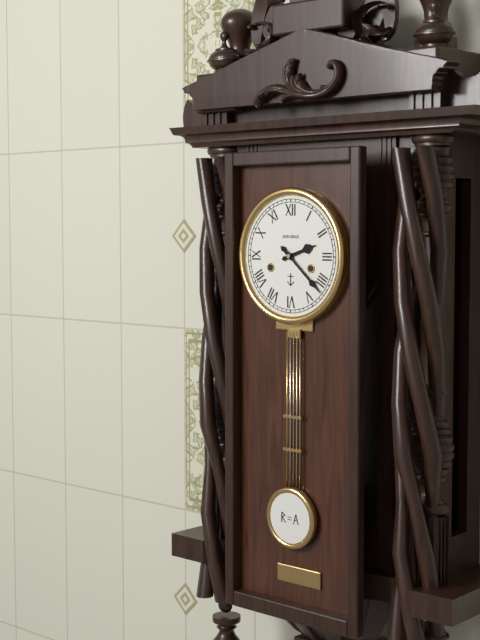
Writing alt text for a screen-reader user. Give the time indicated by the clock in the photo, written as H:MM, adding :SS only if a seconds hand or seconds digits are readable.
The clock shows 2:22
